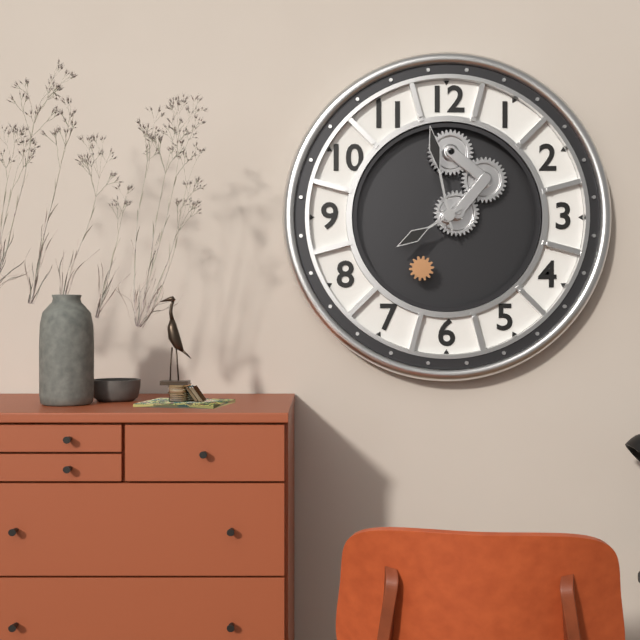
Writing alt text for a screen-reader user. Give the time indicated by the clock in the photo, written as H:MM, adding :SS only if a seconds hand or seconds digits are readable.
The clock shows 7:58
